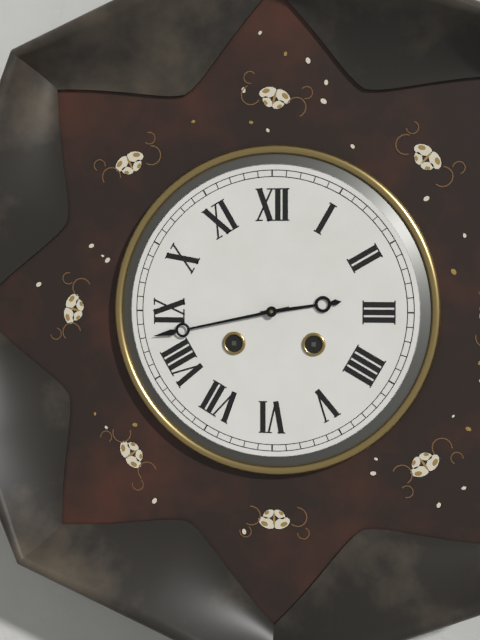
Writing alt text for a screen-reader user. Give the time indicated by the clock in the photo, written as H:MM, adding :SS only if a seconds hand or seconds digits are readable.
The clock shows 2:43
